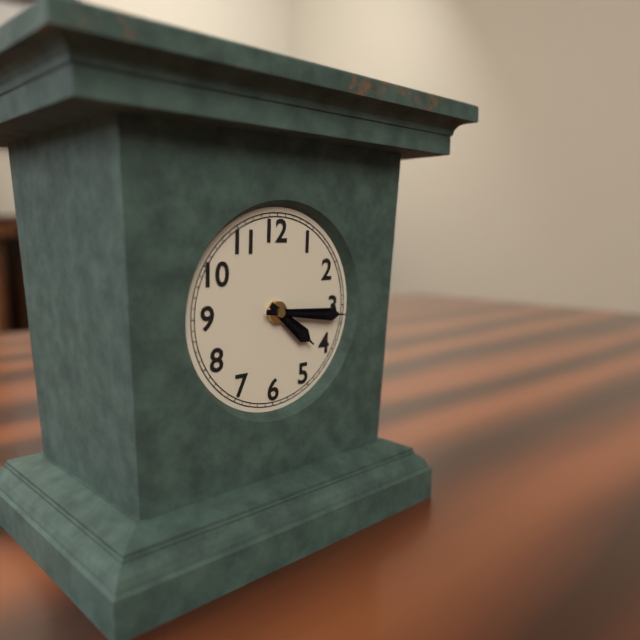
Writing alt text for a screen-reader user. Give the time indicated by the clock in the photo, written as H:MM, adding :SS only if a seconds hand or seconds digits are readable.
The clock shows 4:16
